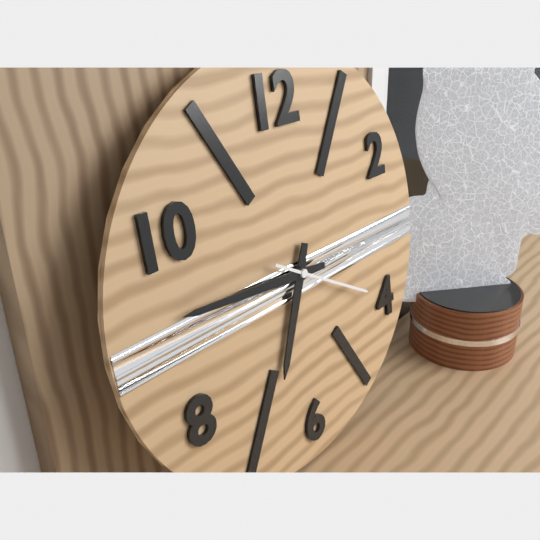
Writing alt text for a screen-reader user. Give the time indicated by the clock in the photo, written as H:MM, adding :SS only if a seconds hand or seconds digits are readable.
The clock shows 6:46:20
